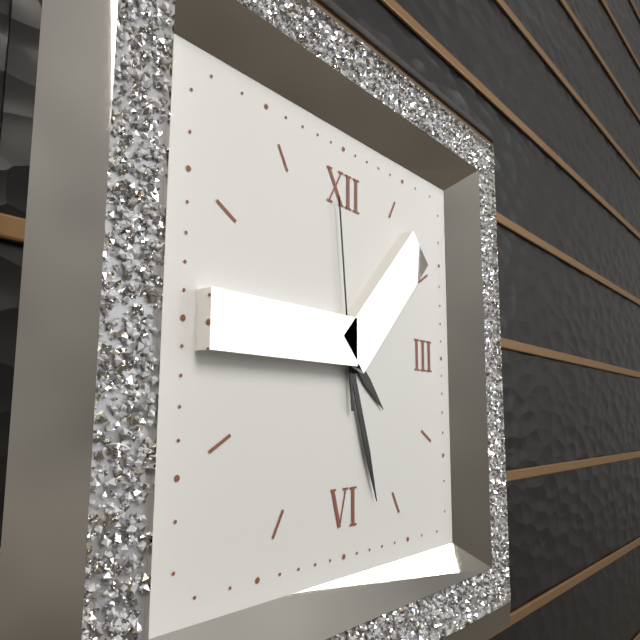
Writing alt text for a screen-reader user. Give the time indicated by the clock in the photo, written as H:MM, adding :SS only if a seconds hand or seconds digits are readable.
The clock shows 4:27:59
